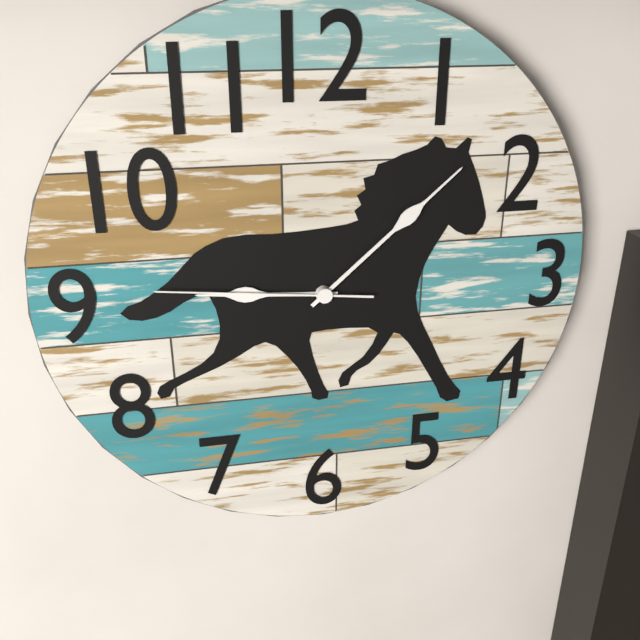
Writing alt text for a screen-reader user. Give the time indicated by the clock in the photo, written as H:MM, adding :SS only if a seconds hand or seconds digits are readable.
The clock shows 9:08:46
